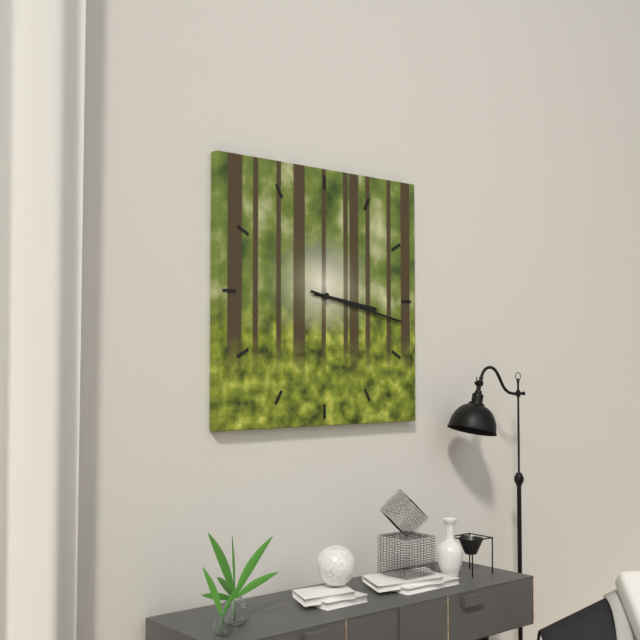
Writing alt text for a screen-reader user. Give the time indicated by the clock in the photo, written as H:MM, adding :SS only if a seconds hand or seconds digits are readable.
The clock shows 3:17
